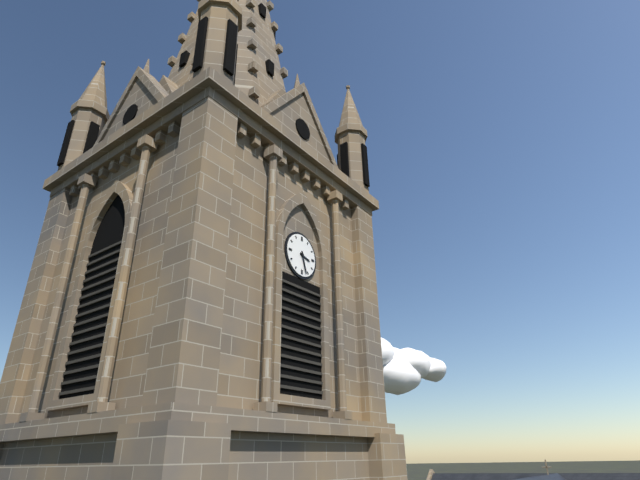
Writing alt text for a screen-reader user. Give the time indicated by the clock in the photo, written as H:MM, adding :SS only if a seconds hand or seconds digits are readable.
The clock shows 3:27
